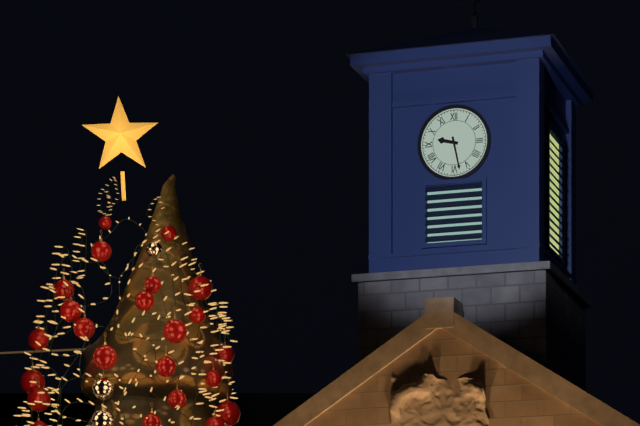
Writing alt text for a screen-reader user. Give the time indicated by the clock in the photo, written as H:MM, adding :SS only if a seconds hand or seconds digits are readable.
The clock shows 9:28
